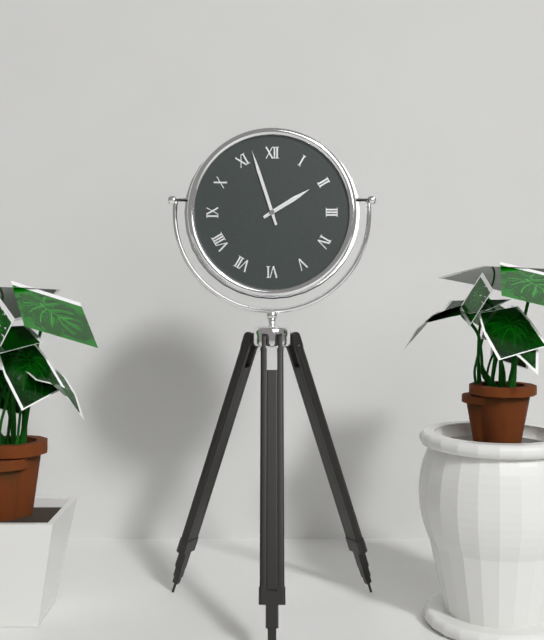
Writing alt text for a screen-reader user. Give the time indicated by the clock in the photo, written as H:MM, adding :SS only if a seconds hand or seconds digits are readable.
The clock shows 1:57
